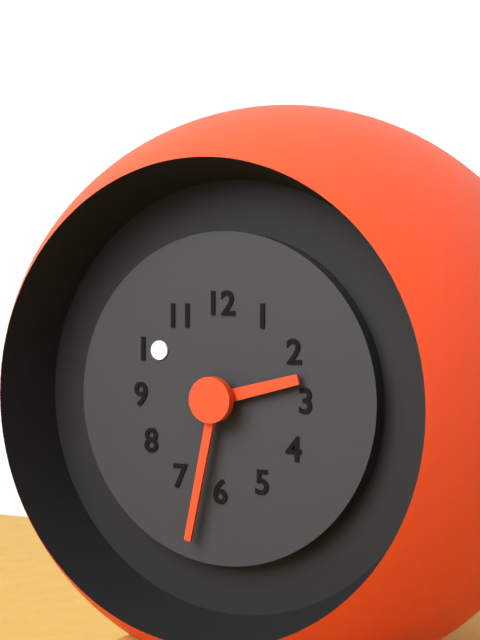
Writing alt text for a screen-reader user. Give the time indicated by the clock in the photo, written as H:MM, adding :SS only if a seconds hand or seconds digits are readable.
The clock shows 2:32
